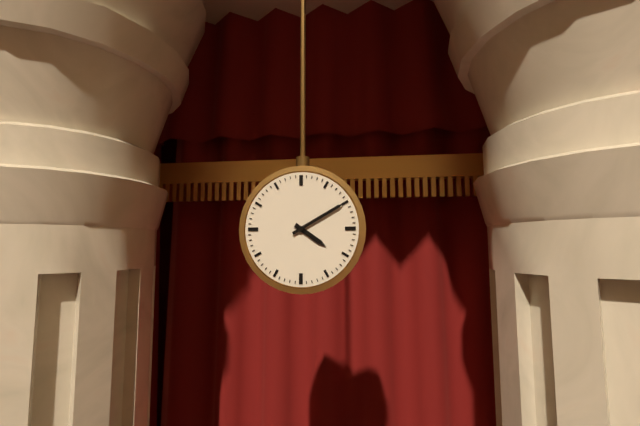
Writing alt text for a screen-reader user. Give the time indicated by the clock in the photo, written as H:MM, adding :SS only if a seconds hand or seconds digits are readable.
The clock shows 4:10
